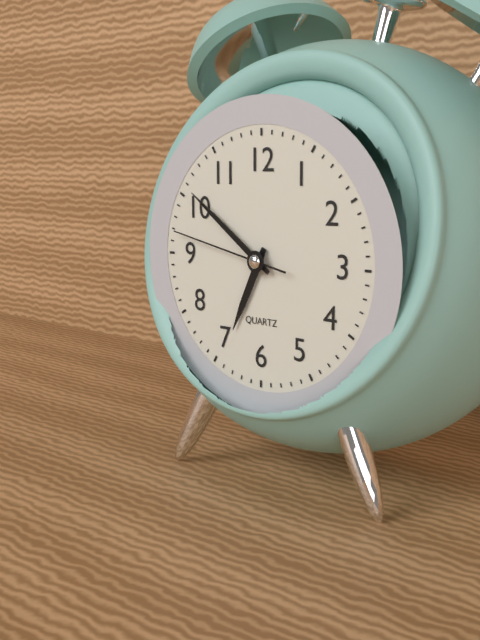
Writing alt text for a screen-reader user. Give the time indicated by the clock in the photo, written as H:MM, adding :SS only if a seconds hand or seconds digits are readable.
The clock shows 6:51:47
